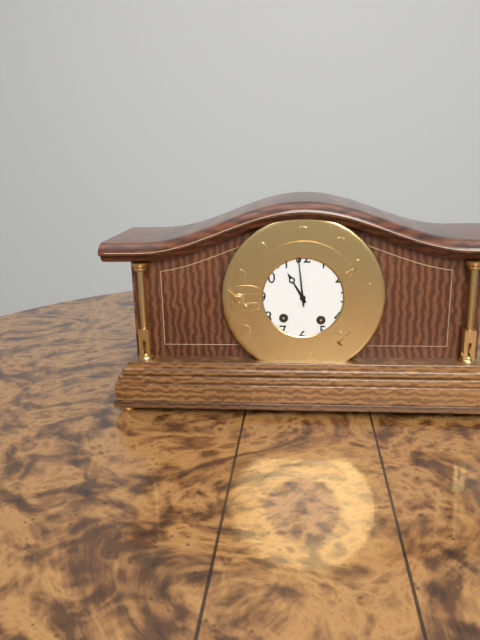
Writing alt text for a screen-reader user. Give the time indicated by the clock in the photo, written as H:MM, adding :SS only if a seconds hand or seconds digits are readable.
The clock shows 10:59
